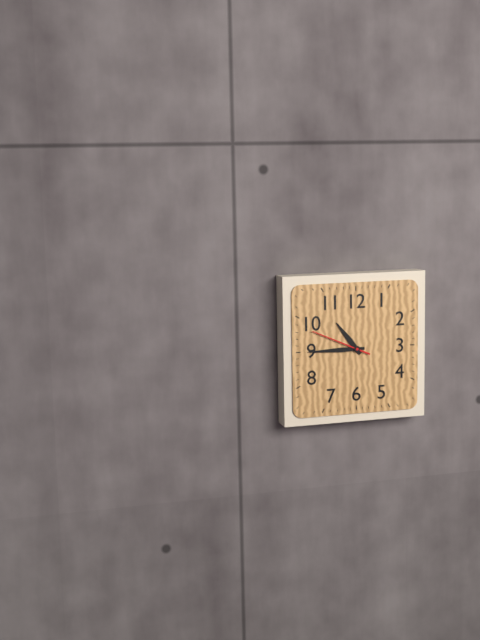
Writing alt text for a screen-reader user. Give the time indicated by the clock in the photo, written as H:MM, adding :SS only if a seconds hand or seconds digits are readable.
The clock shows 10:45:49
